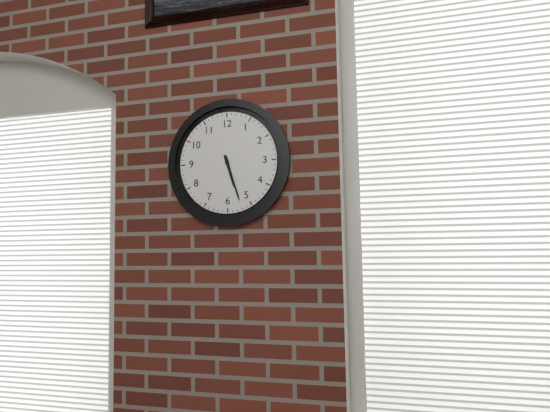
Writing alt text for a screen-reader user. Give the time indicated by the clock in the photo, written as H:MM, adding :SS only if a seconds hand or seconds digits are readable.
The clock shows 5:27
